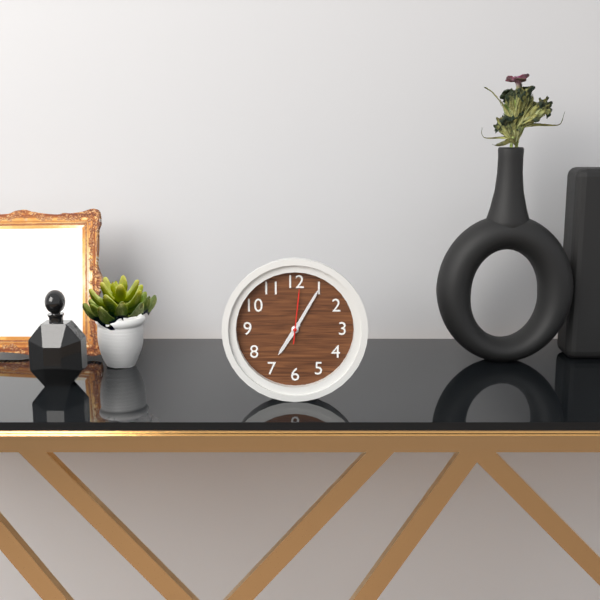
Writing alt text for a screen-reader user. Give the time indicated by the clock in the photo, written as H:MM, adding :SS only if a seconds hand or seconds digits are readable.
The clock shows 7:05:01
